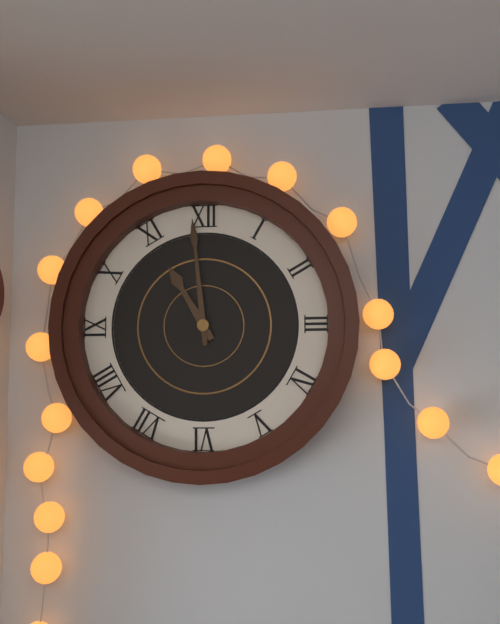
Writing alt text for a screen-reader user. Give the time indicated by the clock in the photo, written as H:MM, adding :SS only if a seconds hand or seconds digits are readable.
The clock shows 10:59
